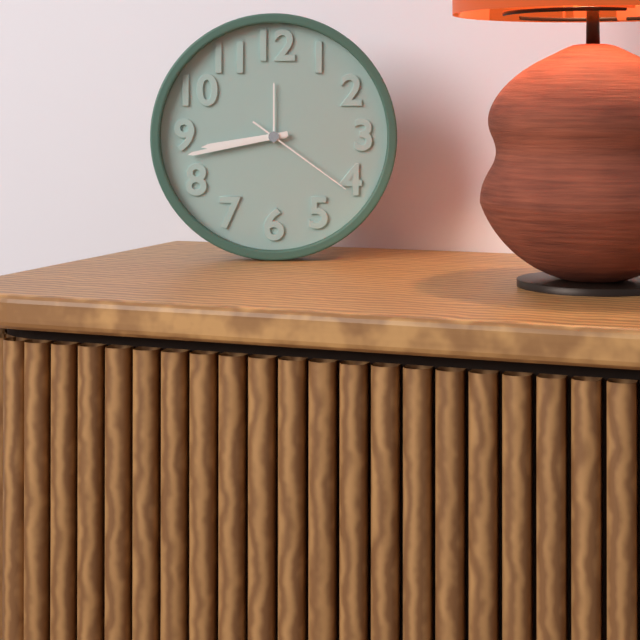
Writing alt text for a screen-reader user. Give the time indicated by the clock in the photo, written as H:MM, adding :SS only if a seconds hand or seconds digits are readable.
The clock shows 8:43:21
